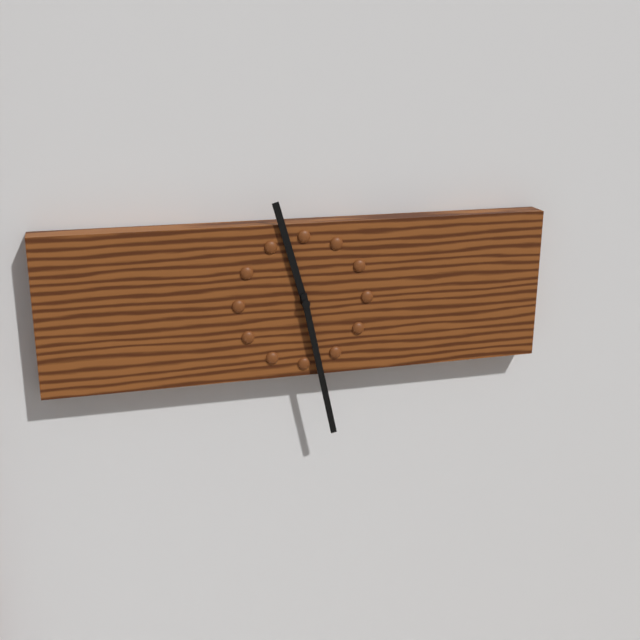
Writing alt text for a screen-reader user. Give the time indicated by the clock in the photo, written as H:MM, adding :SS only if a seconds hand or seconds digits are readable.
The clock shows 11:28
